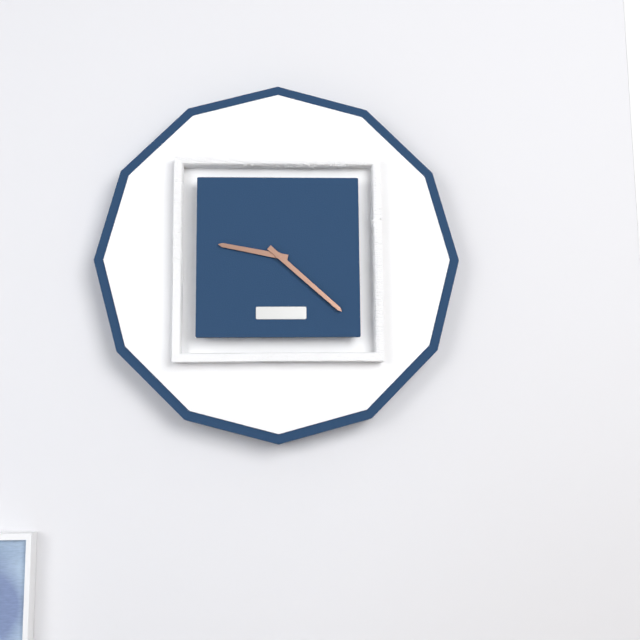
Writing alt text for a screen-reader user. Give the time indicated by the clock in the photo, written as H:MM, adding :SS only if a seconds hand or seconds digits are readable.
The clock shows 9:22
